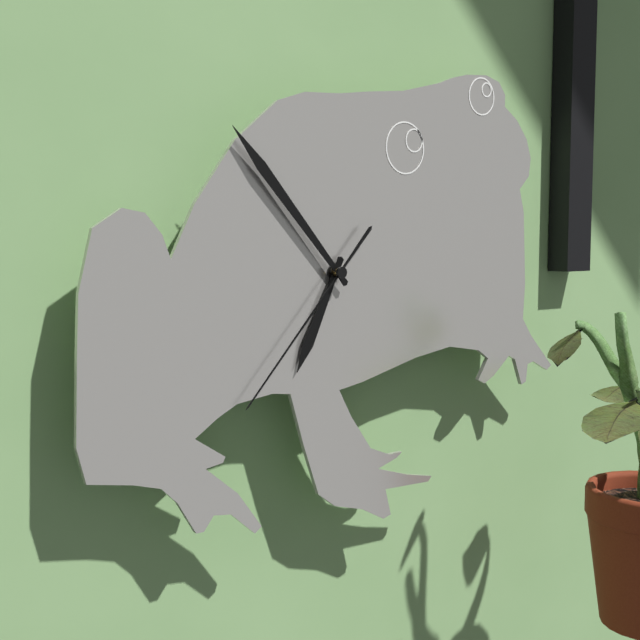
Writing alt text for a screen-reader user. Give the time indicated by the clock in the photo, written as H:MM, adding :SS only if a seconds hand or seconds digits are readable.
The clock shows 6:53:37
